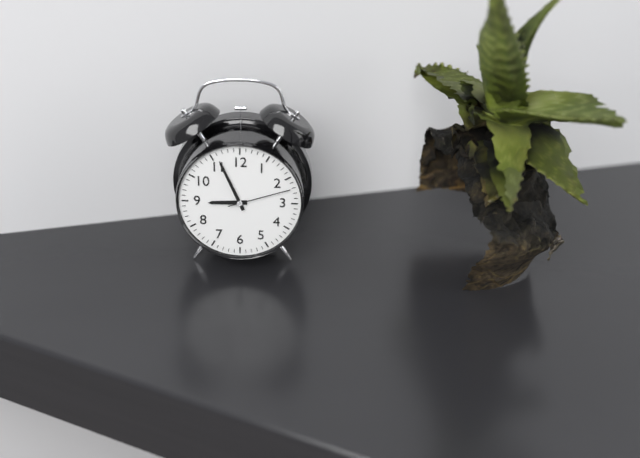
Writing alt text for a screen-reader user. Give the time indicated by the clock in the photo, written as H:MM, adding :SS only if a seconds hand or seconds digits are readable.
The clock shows 8:56:12
